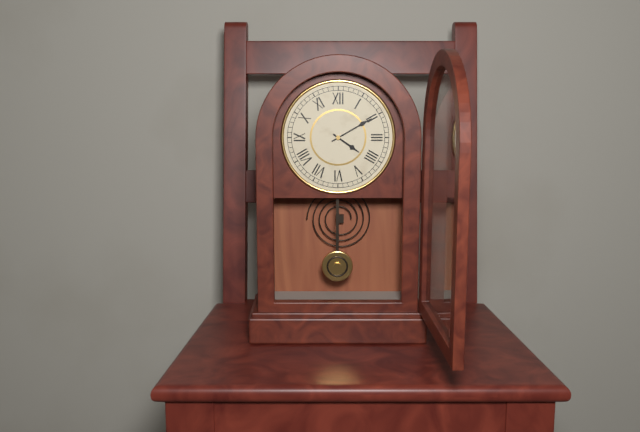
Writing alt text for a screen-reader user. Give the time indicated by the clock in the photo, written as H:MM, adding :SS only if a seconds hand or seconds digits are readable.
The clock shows 4:10
